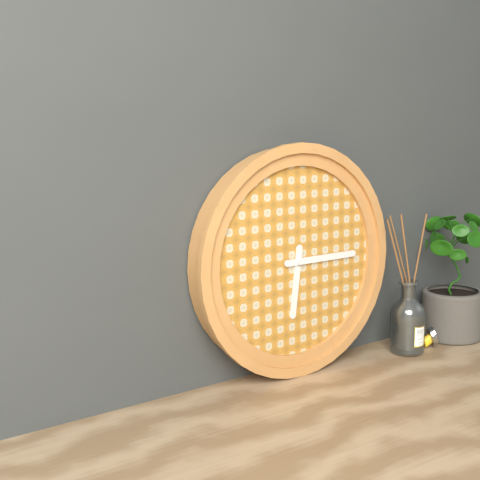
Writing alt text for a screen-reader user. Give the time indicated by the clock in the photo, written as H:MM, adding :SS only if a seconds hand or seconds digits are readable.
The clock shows 6:15
